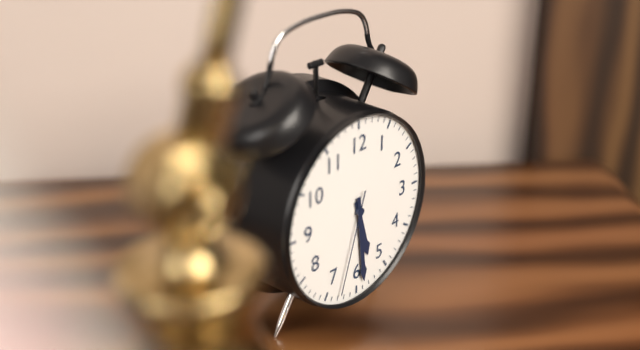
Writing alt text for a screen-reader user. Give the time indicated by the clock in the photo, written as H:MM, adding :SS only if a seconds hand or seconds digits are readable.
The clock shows 5:29:33
